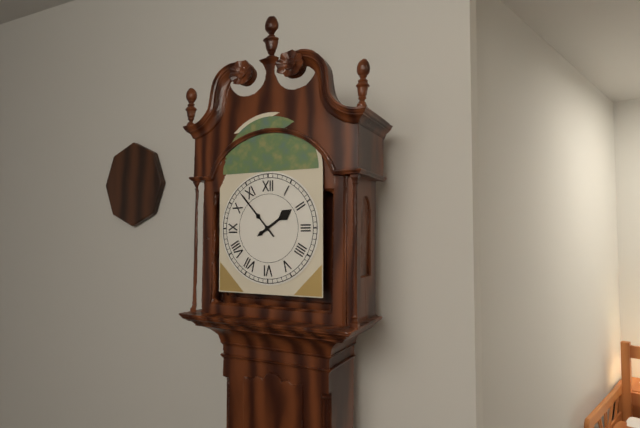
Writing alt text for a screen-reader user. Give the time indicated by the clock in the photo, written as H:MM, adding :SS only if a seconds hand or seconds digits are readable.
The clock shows 1:53
